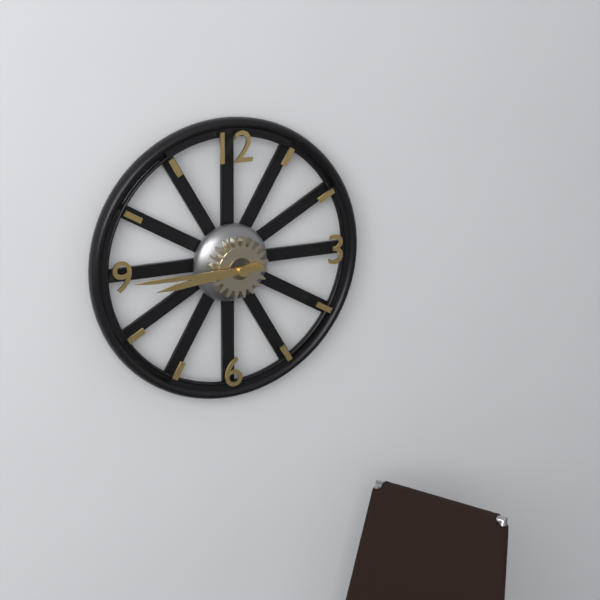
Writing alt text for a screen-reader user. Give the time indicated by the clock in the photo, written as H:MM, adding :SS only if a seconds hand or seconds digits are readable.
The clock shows 8:45
